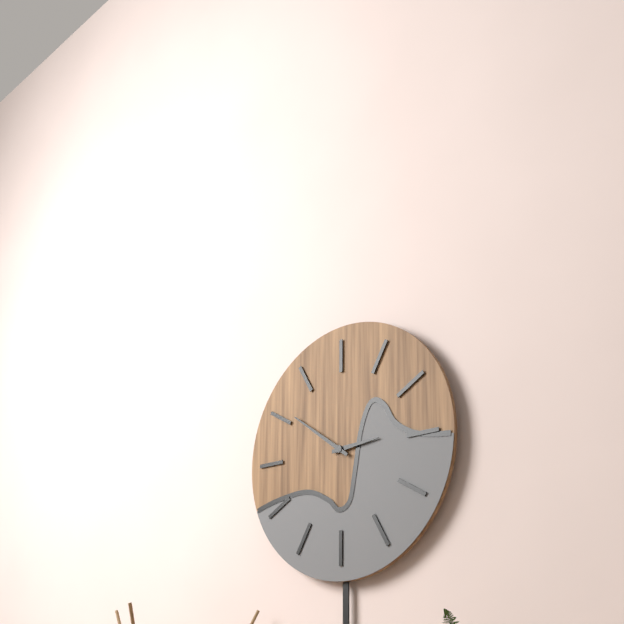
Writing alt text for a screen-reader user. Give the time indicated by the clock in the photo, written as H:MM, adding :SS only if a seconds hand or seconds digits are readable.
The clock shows 2:51
